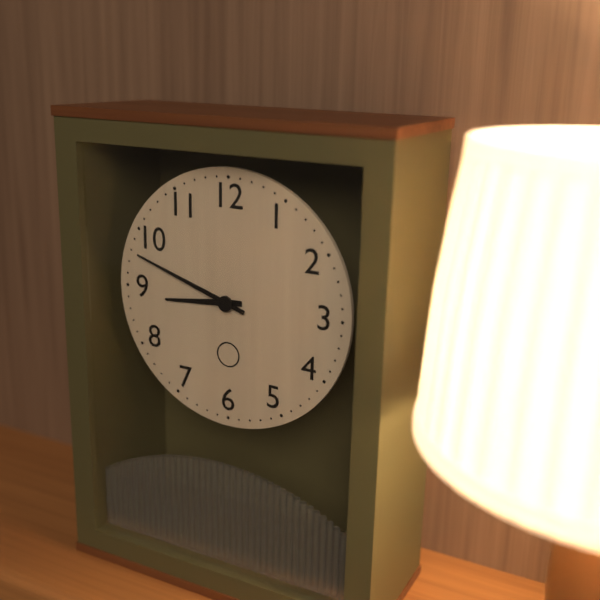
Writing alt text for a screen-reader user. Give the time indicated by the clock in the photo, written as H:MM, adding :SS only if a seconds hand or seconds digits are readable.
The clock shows 8:48
